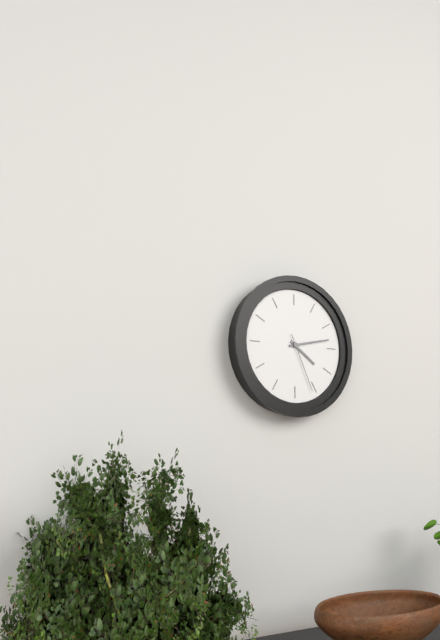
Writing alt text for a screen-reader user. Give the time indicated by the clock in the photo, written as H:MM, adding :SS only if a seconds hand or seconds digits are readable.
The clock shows 4:13:26
